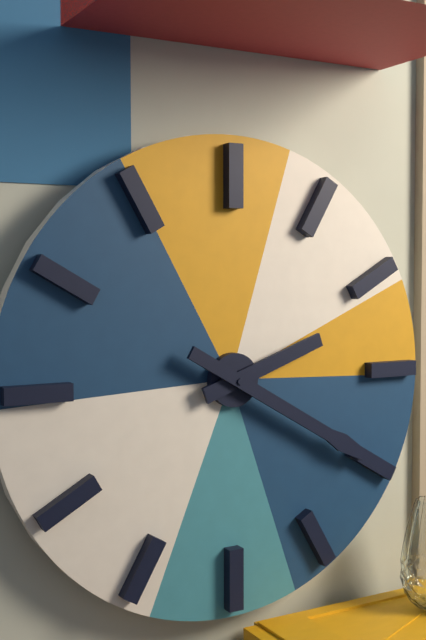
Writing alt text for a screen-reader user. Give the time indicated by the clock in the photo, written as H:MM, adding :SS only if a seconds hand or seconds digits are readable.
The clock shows 2:20
